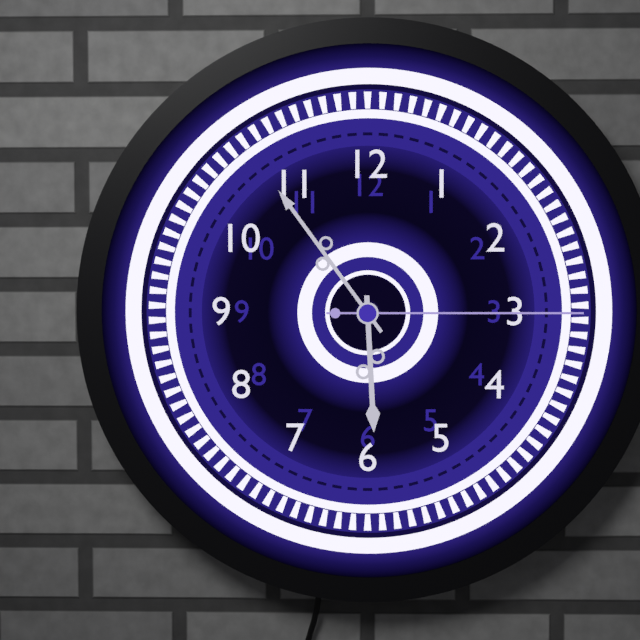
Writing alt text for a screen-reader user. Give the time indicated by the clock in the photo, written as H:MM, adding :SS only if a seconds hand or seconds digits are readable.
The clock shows 5:54:15
